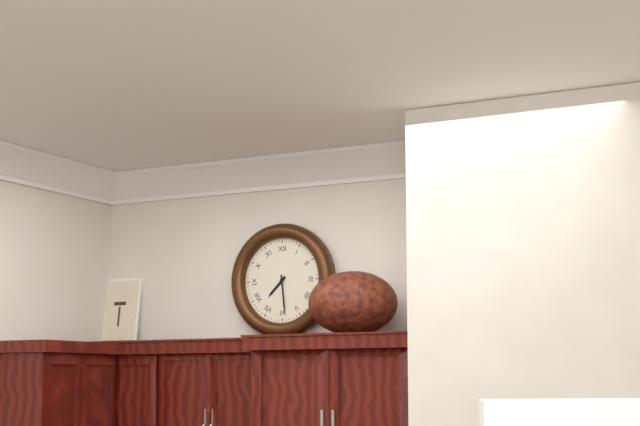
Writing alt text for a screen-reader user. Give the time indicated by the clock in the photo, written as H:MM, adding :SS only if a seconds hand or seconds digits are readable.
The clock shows 7:29
